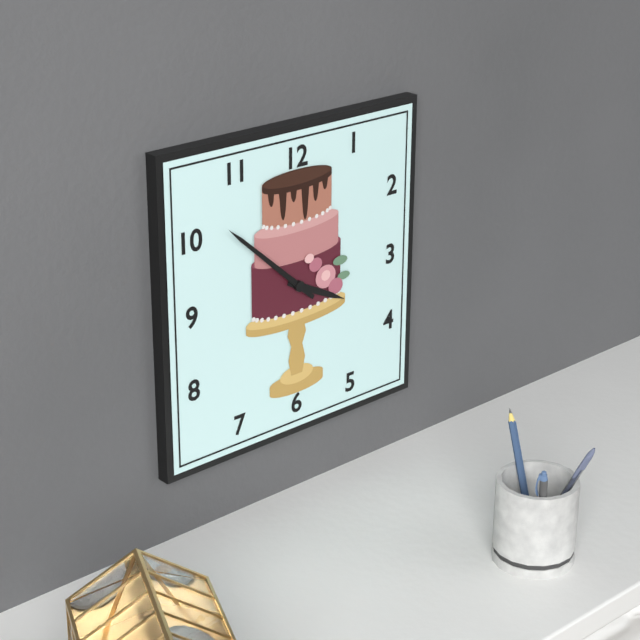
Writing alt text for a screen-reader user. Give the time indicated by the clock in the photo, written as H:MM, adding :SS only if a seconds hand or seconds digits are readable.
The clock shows 3:52
